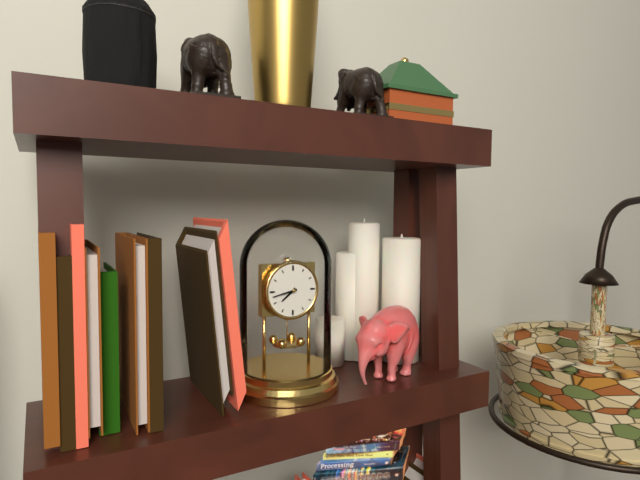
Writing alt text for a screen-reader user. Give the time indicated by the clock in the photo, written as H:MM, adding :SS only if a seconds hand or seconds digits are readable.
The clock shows 7:43
